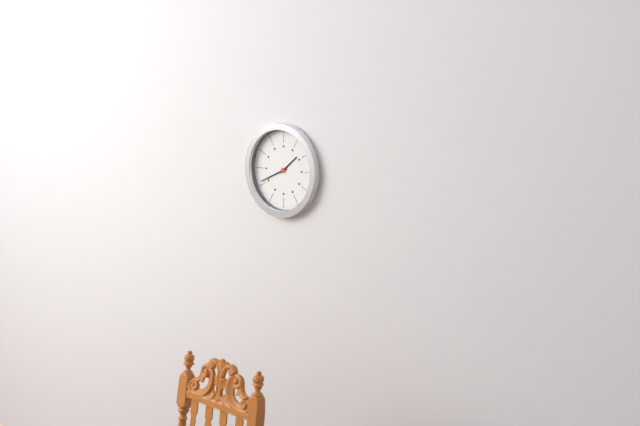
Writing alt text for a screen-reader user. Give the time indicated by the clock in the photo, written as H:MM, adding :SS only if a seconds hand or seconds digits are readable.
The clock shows 1:41
